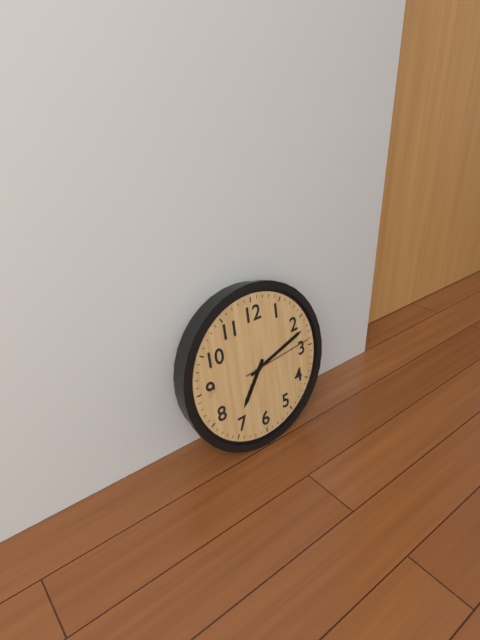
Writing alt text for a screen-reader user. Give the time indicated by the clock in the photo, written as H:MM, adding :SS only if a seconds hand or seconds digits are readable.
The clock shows 7:12:14
